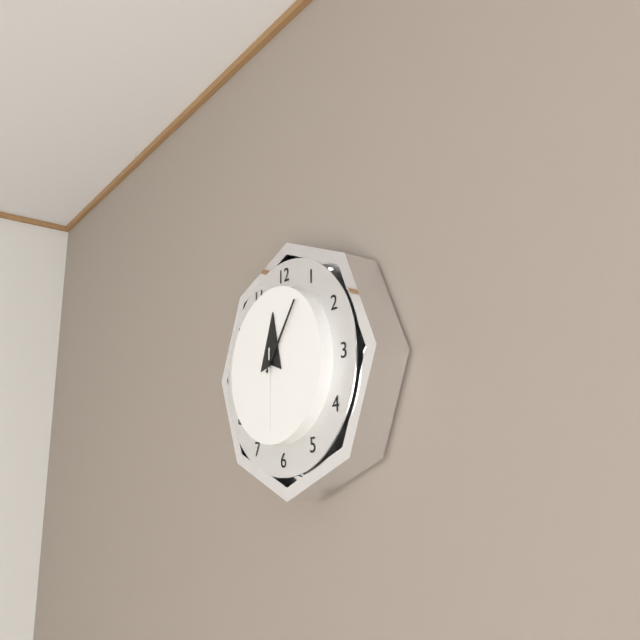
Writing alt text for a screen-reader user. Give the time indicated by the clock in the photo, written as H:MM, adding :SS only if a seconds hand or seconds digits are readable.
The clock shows 12:06:30
